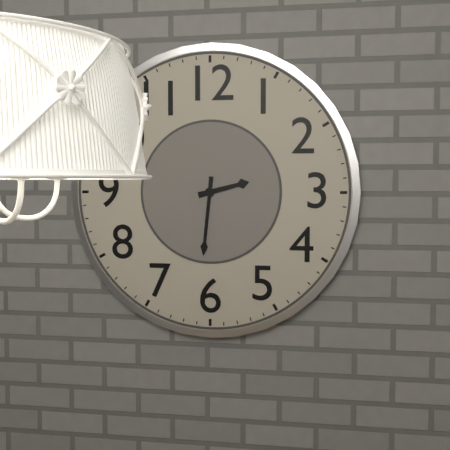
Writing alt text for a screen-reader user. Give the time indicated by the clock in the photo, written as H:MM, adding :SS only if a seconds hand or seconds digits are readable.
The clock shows 2:31
